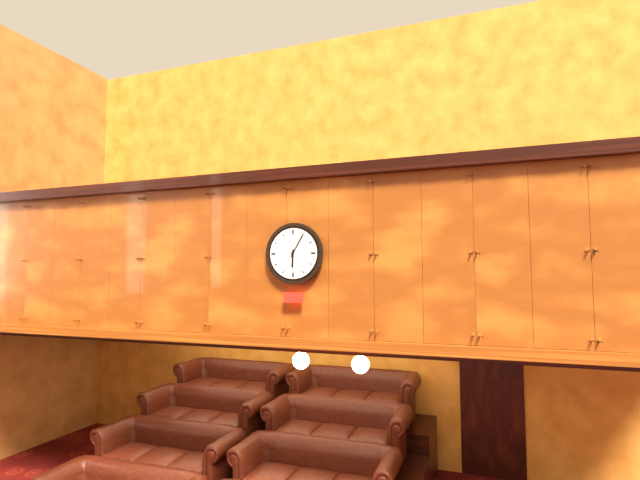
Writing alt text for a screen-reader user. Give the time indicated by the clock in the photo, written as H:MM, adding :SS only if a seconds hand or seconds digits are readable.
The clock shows 6:05
